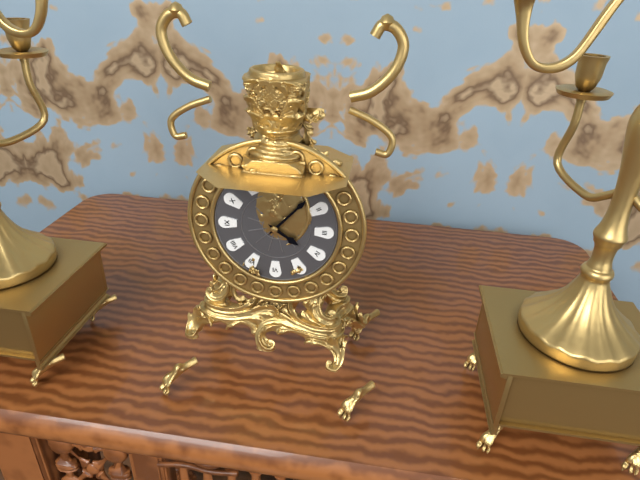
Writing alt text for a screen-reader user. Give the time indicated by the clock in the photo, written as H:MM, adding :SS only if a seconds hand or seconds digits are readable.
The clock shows 4:07
